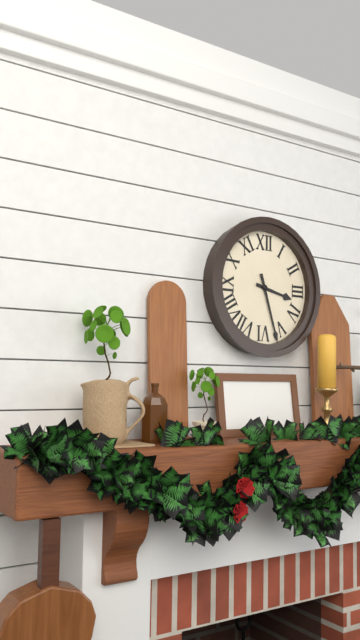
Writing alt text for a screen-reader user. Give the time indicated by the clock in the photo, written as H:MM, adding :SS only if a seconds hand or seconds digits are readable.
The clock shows 3:27
